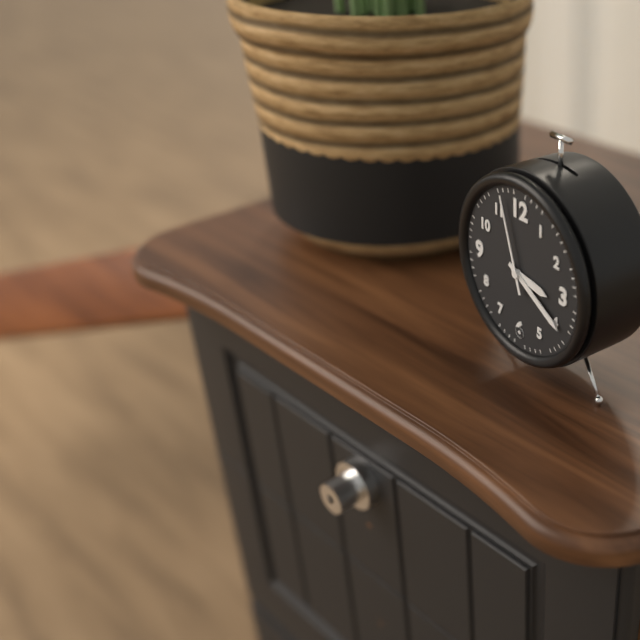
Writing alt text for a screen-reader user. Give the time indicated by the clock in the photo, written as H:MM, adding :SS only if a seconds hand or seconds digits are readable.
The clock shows 3:20:57
